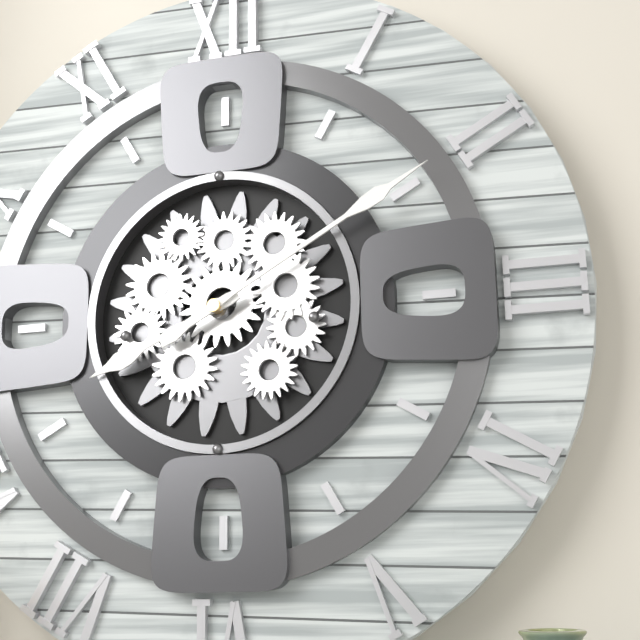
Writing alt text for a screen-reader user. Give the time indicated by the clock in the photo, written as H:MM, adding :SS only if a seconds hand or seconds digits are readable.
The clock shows 8:10
